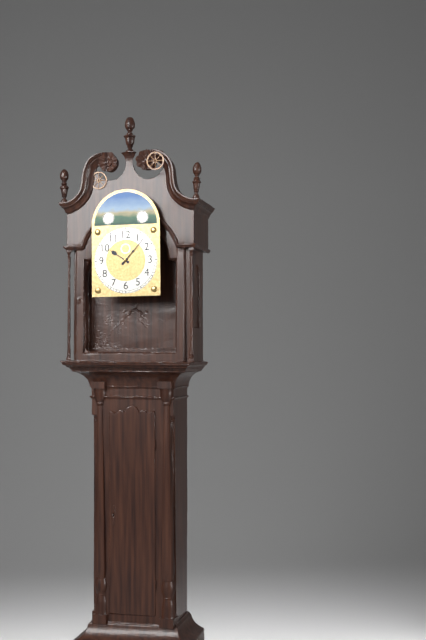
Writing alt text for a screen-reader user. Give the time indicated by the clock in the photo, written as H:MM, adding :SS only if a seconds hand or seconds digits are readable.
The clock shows 10:07
